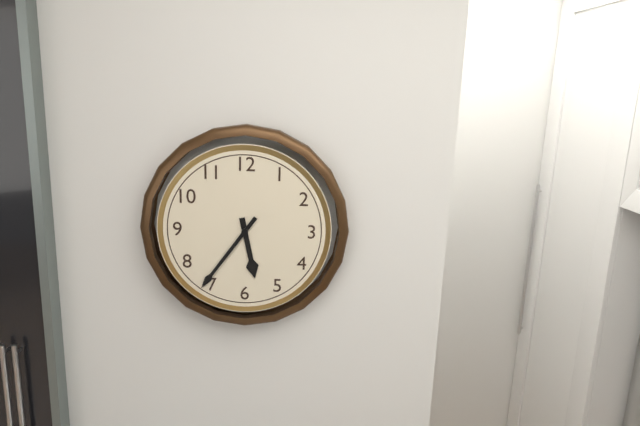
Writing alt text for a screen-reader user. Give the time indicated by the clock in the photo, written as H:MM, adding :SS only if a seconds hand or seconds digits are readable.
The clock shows 5:36
